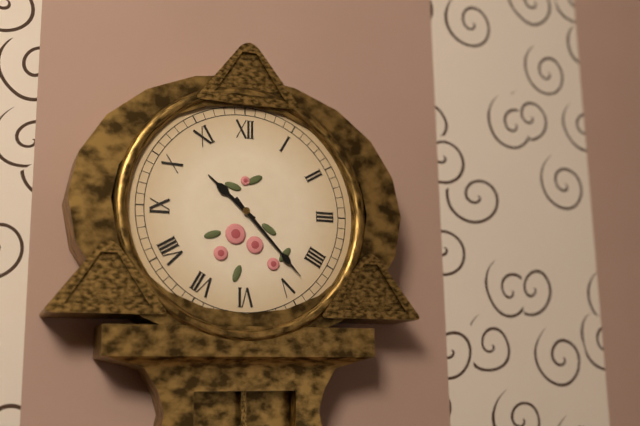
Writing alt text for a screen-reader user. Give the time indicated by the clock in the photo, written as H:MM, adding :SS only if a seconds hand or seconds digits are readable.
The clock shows 10:23
